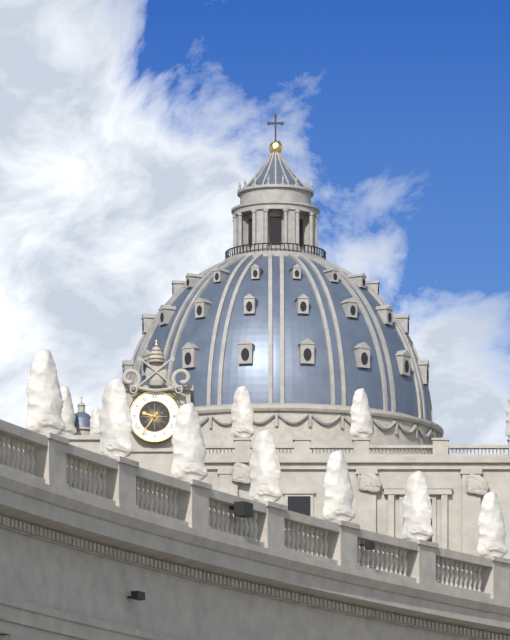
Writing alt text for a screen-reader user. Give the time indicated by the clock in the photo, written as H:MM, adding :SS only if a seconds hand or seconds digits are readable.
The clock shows 9:36
